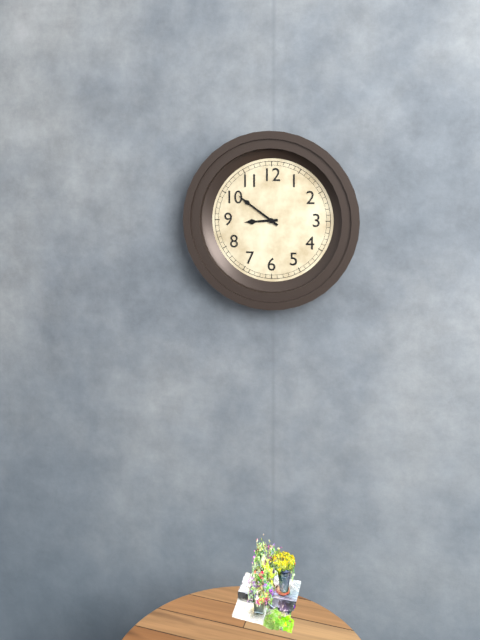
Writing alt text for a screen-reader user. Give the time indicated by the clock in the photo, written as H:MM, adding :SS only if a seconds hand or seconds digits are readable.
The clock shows 8:51
